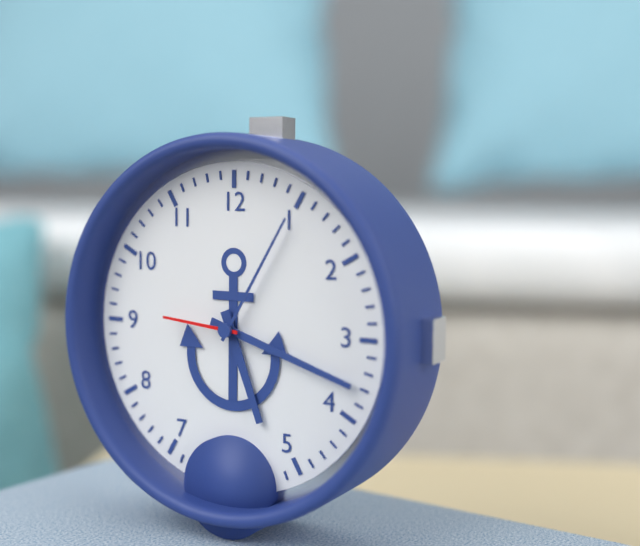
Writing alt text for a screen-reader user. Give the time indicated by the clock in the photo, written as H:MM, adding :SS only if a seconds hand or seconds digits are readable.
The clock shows 5:18:46
